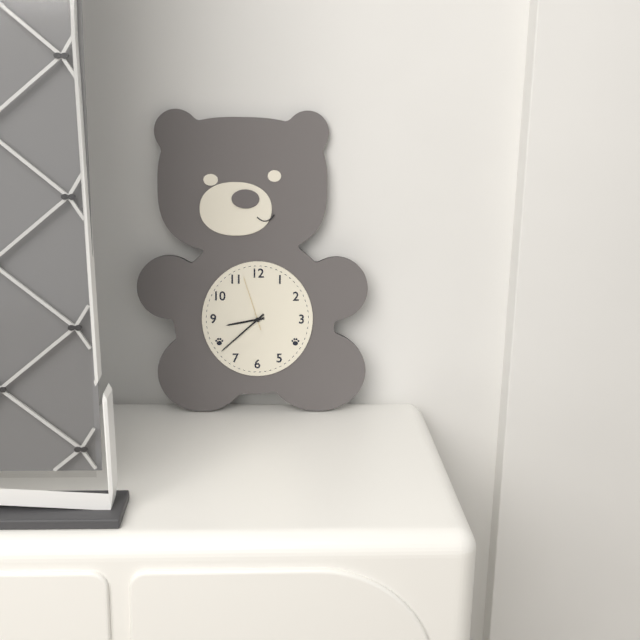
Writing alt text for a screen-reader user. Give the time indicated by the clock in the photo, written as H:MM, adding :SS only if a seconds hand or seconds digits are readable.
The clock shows 8:38:57
